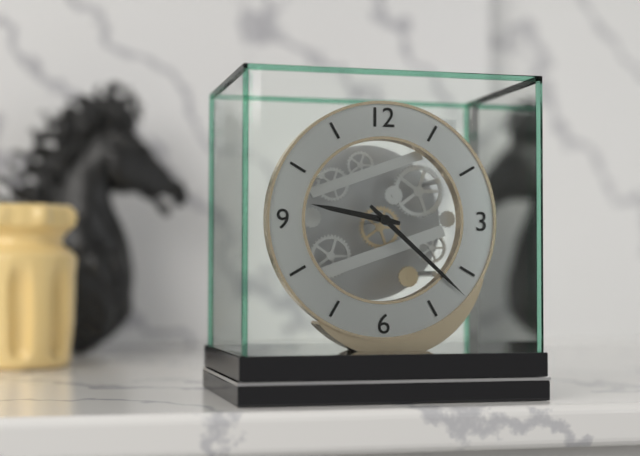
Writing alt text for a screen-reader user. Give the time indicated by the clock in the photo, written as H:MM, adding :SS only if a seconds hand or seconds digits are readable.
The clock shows 9:22
